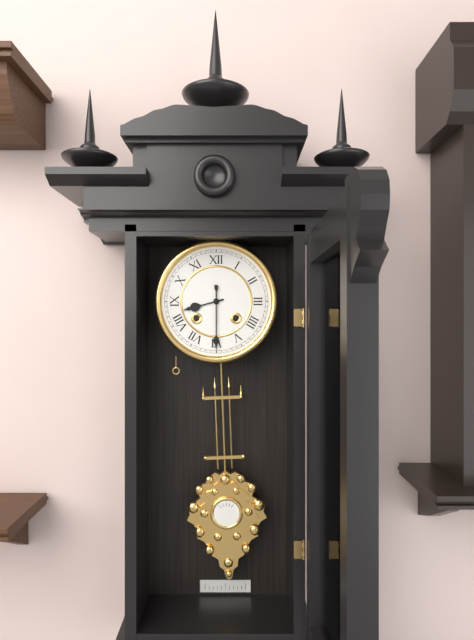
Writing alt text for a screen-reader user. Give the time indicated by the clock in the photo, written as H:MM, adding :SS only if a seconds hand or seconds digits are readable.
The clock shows 8:30
